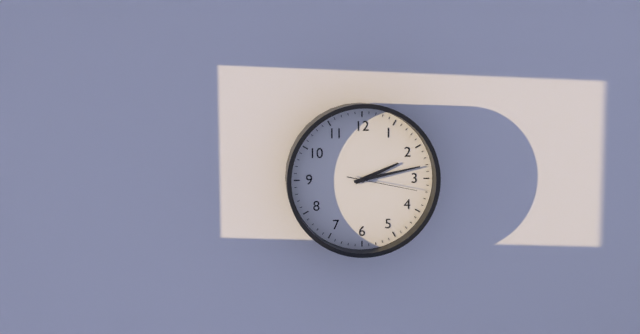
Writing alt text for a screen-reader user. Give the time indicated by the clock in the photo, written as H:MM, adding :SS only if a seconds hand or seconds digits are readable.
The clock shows 2:13:17
